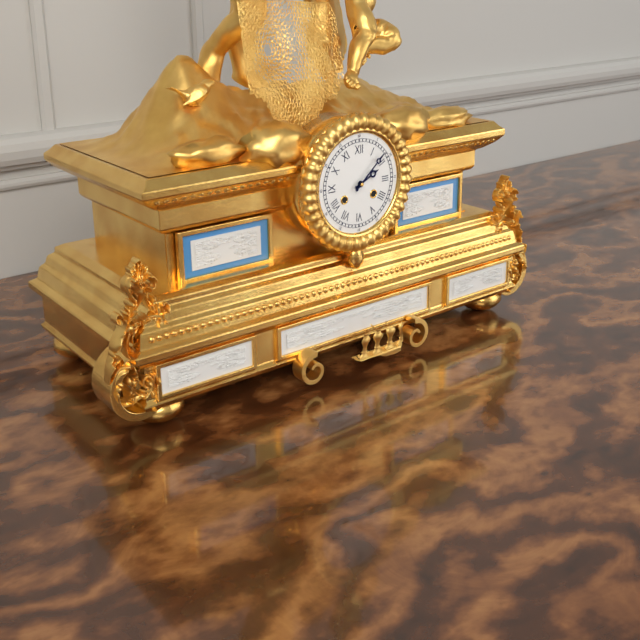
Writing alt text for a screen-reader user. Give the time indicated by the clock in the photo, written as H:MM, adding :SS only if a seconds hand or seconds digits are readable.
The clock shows 2:08
